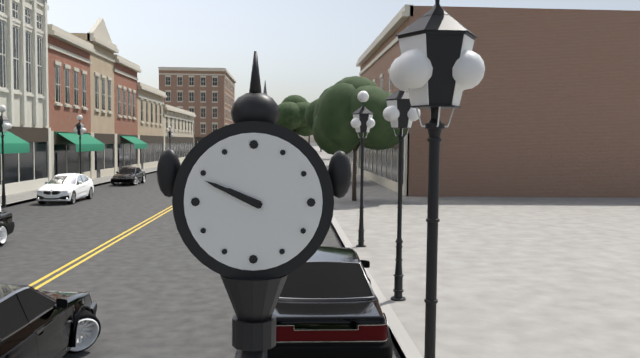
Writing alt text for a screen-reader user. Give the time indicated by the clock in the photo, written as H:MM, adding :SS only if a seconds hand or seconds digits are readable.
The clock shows 9:49
